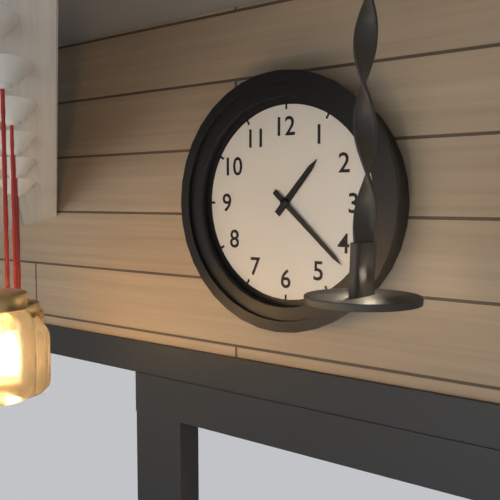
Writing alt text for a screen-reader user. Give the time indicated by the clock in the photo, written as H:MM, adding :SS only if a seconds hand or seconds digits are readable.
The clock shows 1:22
